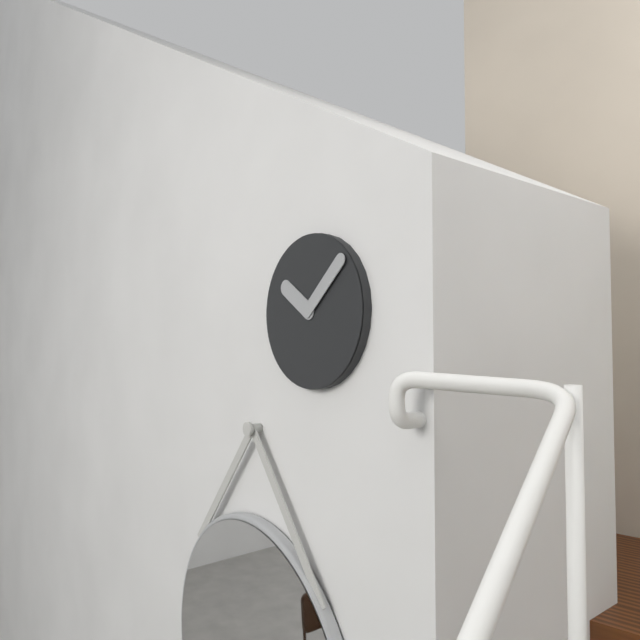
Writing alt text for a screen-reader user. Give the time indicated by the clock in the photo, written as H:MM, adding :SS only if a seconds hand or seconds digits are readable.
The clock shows 10:08
